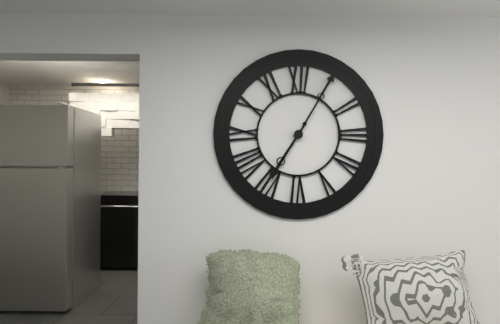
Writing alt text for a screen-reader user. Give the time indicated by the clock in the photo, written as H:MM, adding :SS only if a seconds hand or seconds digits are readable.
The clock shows 7:05:35
